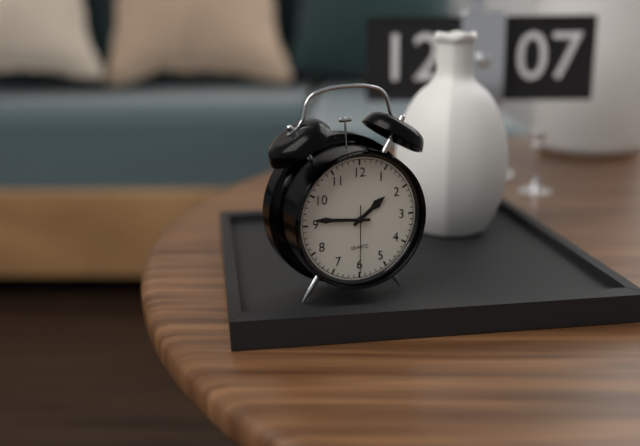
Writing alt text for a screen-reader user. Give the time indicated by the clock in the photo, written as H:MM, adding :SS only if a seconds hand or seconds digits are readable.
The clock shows 1:46:30
